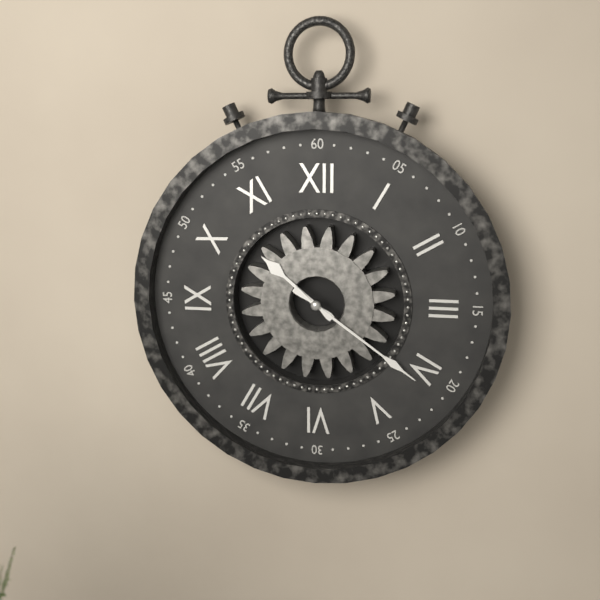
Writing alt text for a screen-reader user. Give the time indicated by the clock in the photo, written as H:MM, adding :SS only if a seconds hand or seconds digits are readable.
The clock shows 10:21
